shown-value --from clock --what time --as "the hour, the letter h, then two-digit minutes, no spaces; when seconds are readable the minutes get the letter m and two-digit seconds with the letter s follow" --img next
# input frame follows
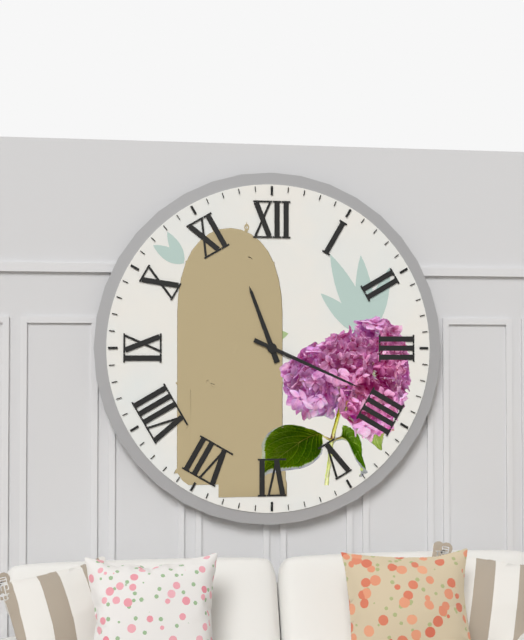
11h19
